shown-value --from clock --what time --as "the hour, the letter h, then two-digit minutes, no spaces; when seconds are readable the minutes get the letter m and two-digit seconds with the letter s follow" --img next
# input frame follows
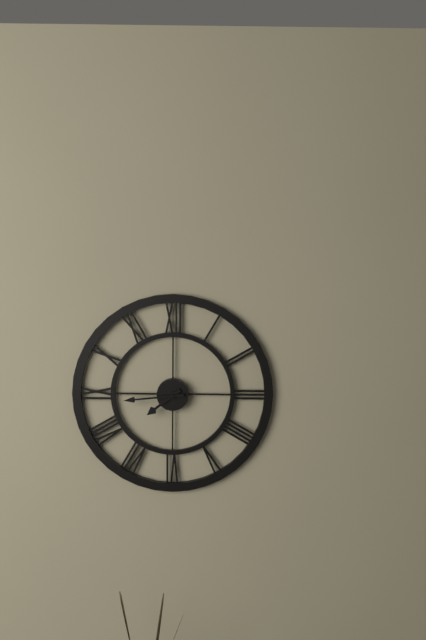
7h44
